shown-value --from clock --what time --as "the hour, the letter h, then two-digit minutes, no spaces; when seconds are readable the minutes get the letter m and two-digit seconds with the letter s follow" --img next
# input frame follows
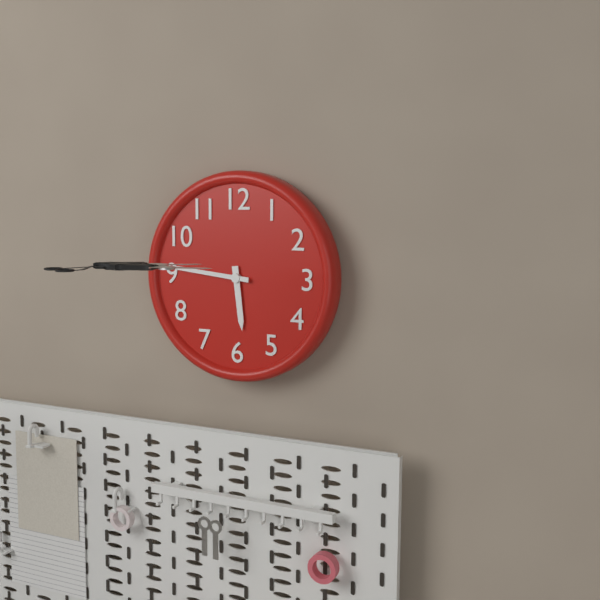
5h46
